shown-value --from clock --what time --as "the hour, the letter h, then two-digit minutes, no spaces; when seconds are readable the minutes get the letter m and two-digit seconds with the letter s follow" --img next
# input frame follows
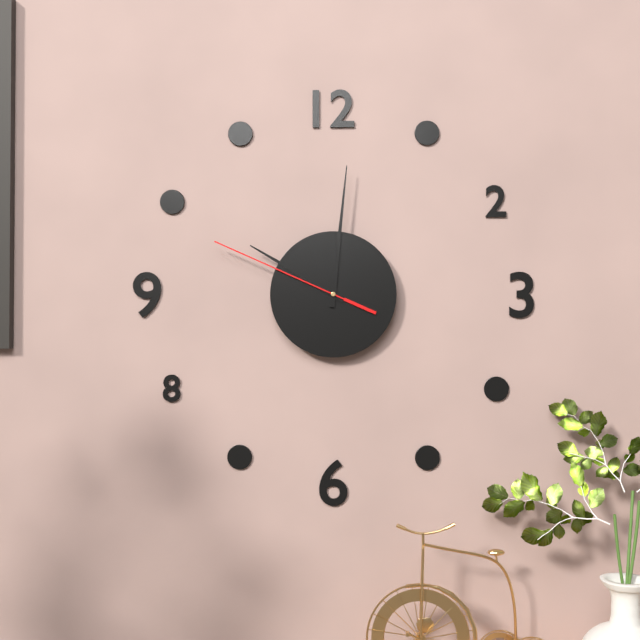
10h01m49s
